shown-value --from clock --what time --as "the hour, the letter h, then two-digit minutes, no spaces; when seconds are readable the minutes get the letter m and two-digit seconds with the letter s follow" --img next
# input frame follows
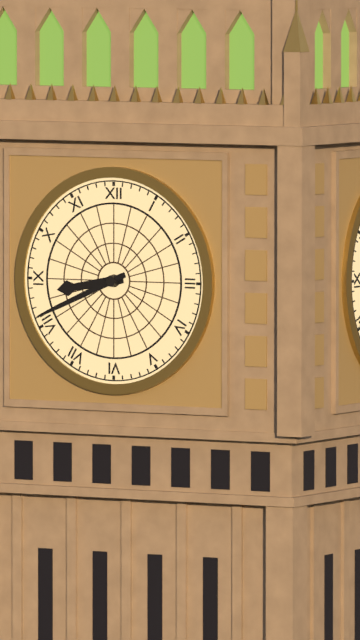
8h41
